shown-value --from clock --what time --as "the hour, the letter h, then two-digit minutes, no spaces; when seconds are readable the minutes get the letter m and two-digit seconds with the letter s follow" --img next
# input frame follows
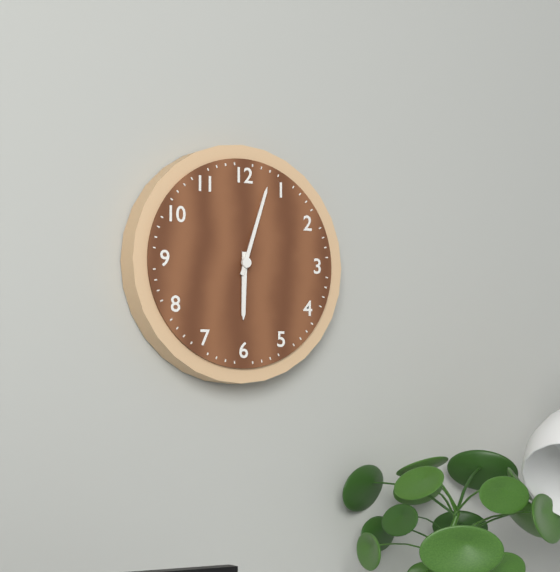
6h03
